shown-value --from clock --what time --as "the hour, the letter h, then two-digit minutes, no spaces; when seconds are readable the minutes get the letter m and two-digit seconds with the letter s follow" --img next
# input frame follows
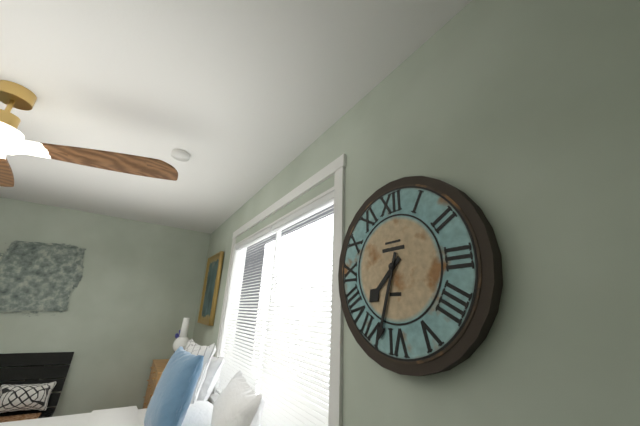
7h33
